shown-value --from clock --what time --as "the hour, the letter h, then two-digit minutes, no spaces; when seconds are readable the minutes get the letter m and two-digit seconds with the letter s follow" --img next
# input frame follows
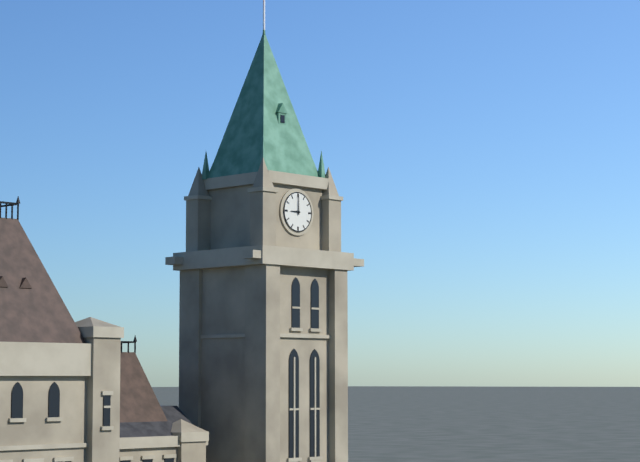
9h00
